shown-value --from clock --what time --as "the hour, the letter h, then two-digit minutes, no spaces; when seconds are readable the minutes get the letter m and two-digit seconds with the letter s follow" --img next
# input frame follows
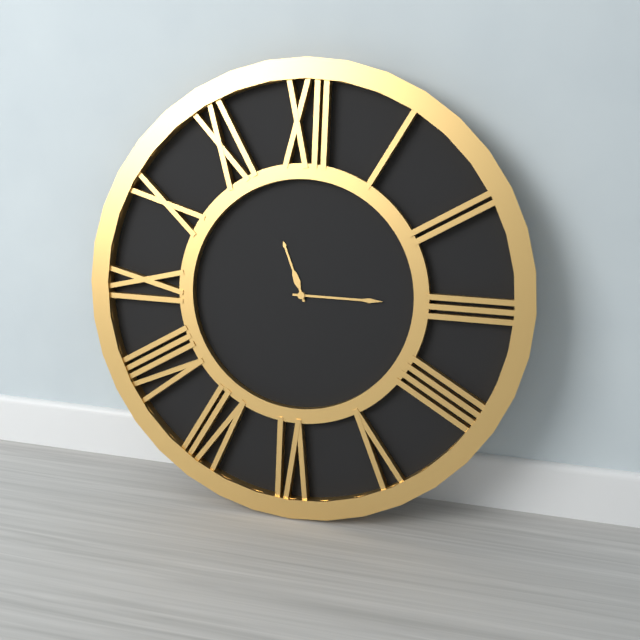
11h15
